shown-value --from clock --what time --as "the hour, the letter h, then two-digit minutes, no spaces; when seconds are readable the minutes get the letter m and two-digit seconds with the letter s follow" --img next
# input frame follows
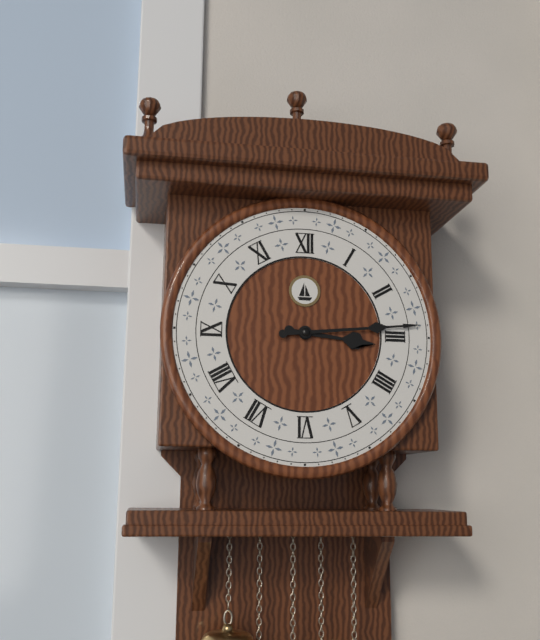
3h14
